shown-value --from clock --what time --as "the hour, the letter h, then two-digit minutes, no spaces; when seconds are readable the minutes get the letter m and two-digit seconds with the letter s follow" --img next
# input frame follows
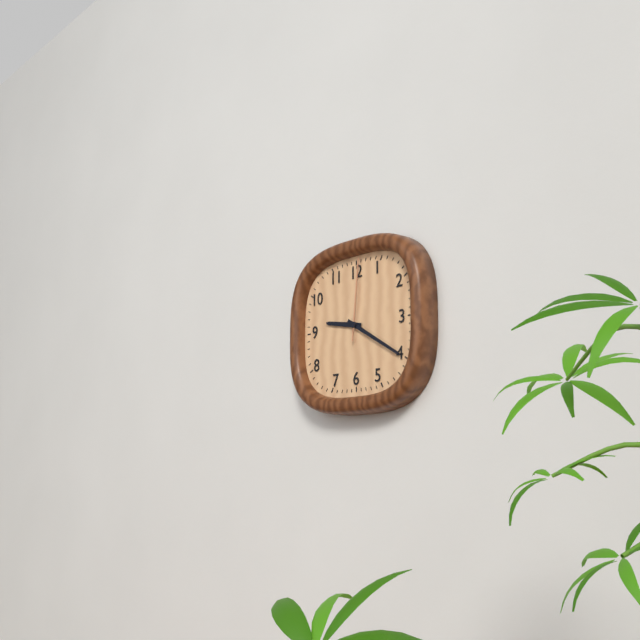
9h20m01s
